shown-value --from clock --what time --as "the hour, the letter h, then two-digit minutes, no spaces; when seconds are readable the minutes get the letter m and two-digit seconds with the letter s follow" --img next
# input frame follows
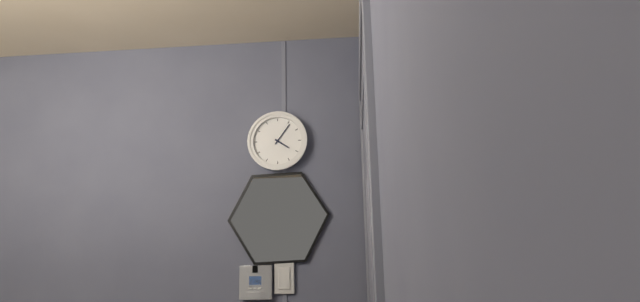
4h06
